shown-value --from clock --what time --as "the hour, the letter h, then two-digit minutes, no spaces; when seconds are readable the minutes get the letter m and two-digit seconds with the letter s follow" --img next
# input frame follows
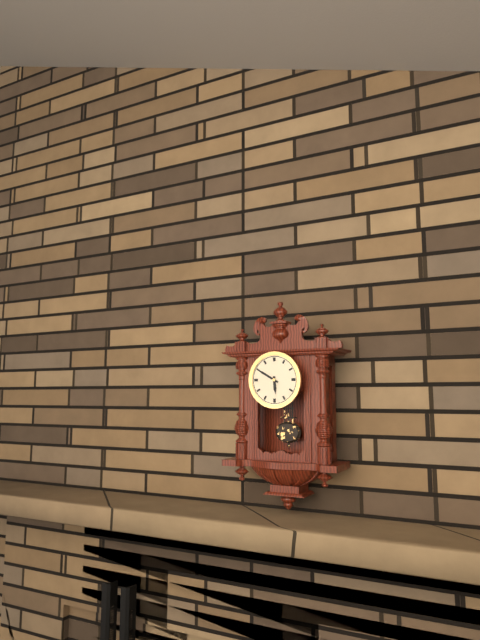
5h50
